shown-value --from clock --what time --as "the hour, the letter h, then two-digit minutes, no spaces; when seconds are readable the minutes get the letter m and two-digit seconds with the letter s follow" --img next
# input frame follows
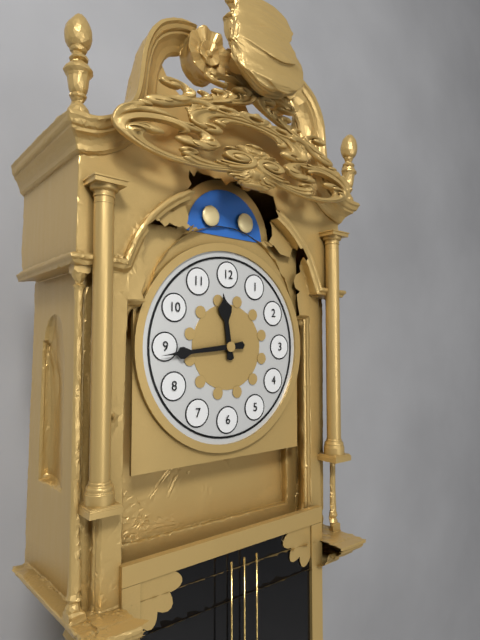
11h44
